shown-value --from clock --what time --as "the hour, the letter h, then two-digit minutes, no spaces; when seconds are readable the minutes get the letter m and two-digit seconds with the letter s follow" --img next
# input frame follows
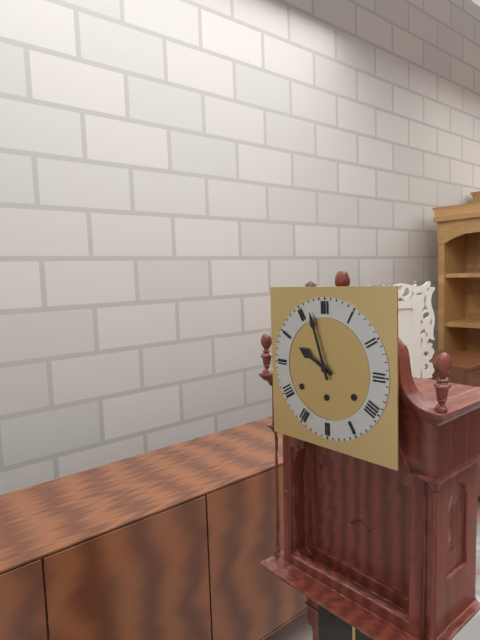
9h57
